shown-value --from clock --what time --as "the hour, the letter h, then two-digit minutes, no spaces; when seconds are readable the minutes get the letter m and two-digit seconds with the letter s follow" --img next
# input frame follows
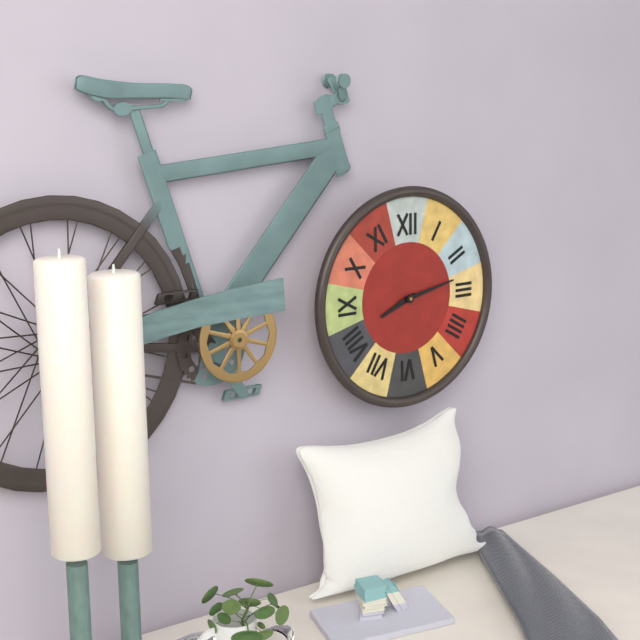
8h13
